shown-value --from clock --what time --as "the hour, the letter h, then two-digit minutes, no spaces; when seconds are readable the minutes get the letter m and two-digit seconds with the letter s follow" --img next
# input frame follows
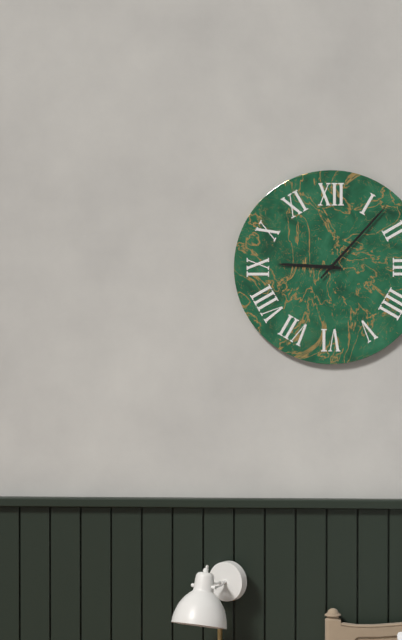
9h07
